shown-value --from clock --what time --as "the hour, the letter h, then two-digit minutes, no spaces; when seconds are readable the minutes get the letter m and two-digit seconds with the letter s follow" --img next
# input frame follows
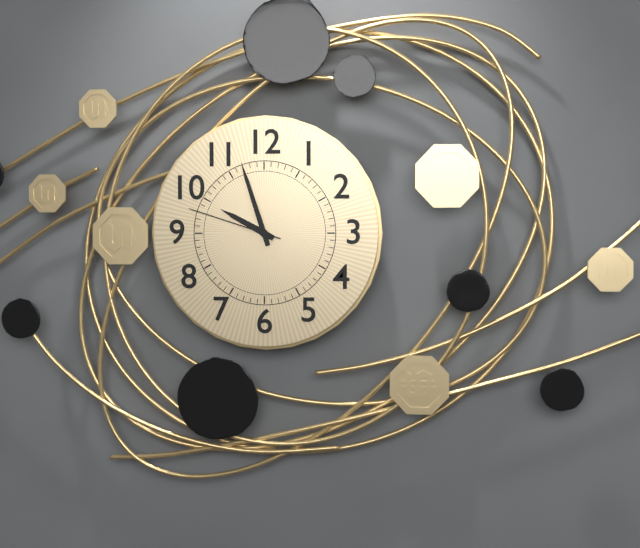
9h57m48s
